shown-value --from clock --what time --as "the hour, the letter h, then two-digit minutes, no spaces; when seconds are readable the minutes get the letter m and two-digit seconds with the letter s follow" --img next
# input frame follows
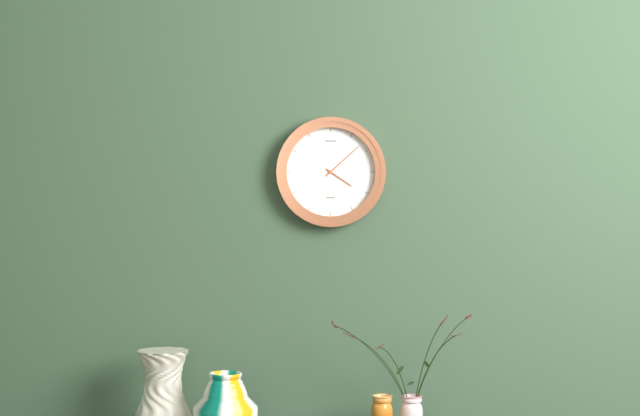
4h08
